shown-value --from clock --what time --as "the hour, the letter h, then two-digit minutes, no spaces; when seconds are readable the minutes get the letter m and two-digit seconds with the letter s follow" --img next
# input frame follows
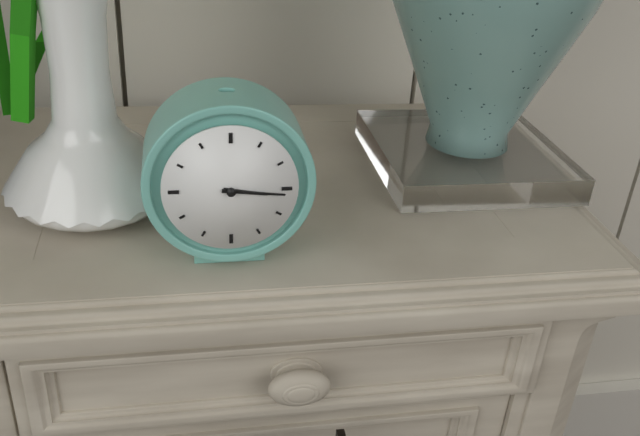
3h16
